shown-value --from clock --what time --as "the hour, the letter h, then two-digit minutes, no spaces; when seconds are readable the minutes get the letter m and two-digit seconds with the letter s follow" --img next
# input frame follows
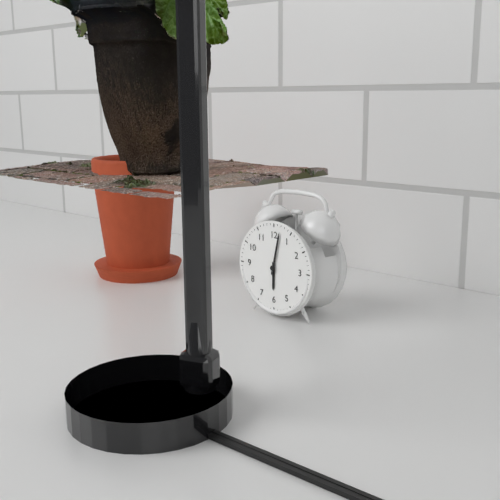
6h02
